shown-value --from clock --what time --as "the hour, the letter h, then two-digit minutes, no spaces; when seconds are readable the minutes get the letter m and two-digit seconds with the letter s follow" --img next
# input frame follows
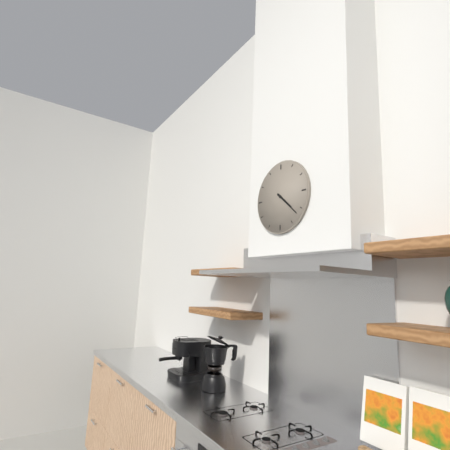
4h22
